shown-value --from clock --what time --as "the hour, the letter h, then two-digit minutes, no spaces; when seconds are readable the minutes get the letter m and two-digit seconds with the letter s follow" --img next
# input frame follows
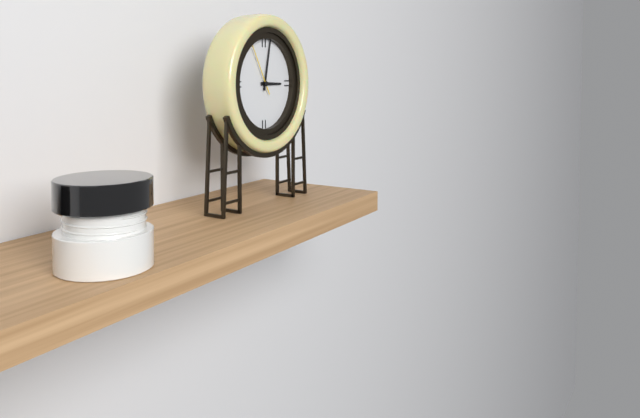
3h02m55s
